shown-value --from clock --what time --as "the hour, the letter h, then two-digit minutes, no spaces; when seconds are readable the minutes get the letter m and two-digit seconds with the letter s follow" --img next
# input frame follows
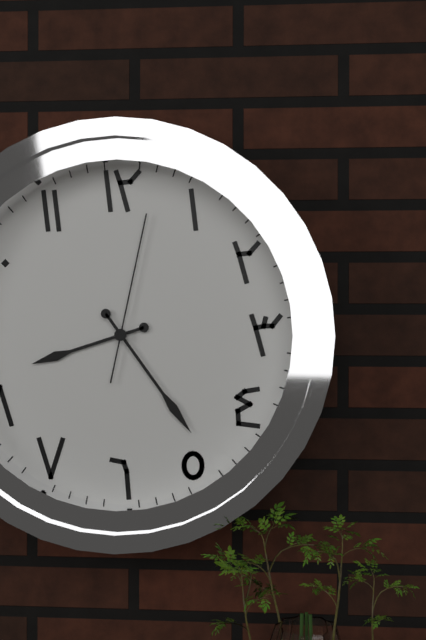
8h24m02s
